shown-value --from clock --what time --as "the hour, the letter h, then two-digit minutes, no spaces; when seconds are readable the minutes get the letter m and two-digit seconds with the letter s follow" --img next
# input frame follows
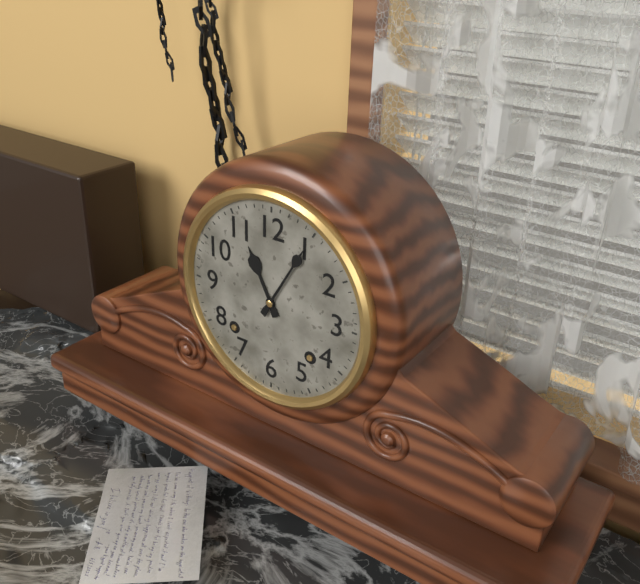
11h05
